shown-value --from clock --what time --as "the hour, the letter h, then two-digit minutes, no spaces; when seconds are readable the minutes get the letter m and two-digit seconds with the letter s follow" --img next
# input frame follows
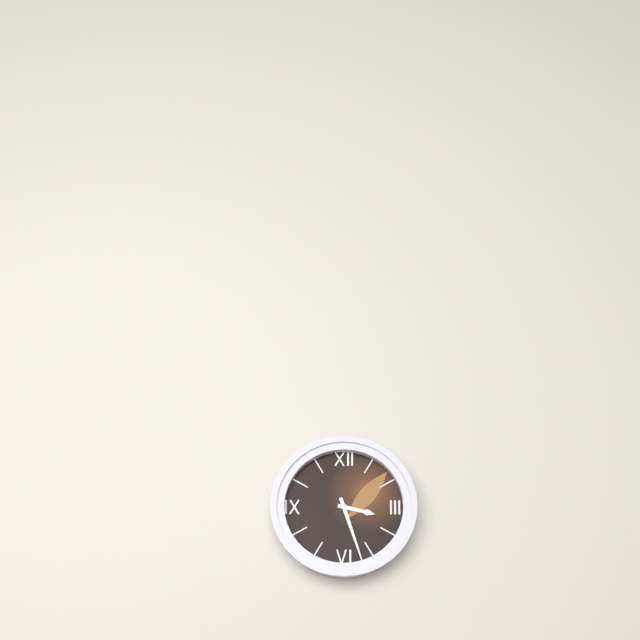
3h27
